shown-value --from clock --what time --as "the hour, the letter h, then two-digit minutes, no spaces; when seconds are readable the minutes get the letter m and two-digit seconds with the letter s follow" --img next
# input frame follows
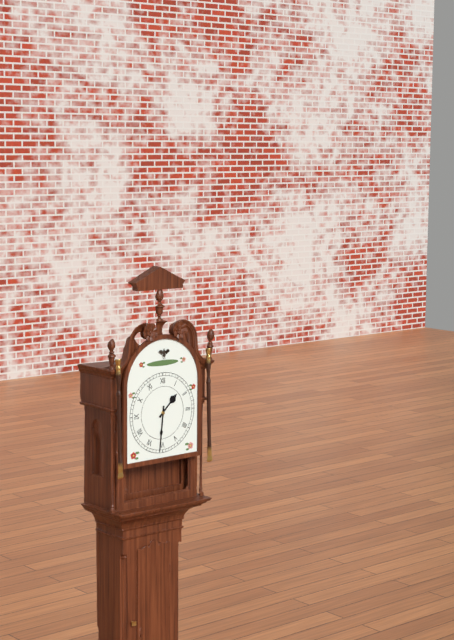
1h31
